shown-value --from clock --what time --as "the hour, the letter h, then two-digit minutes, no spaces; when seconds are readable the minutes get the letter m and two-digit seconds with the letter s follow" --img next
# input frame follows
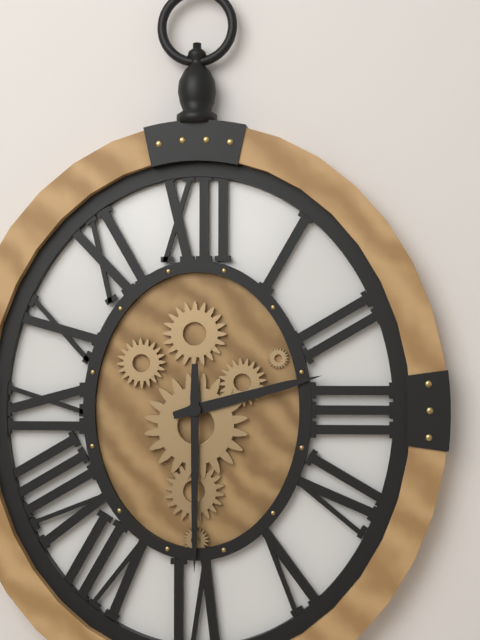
2h30
